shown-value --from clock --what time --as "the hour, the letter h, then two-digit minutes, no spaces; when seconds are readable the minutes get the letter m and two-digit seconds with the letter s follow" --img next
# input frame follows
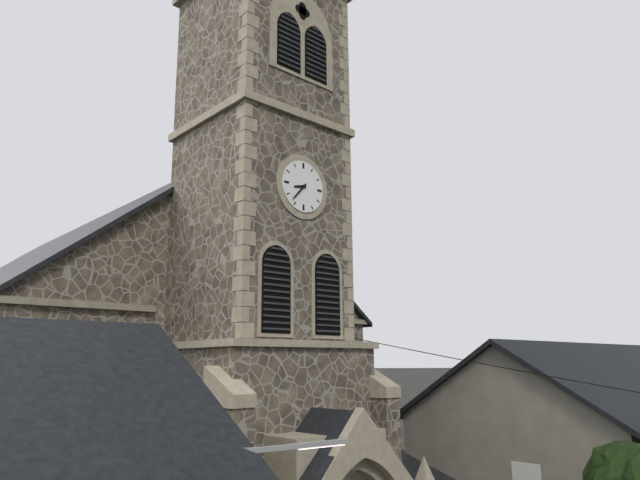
8h37
